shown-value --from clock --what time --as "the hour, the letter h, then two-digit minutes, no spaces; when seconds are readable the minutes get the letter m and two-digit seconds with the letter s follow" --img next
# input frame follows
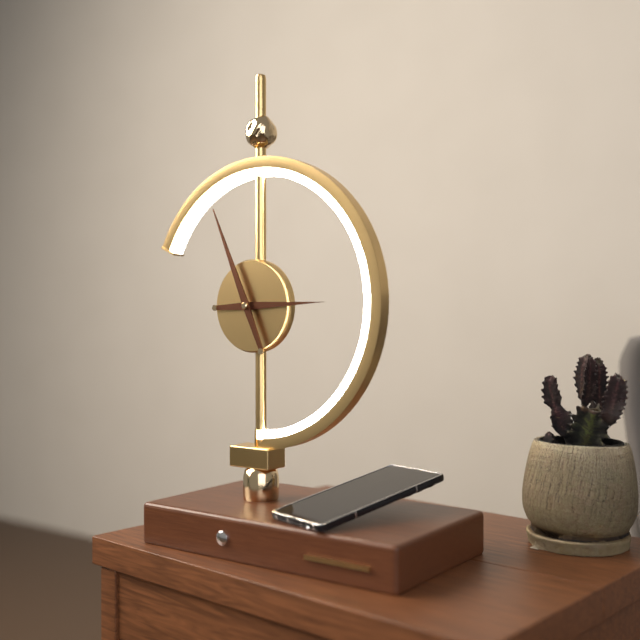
2h56
